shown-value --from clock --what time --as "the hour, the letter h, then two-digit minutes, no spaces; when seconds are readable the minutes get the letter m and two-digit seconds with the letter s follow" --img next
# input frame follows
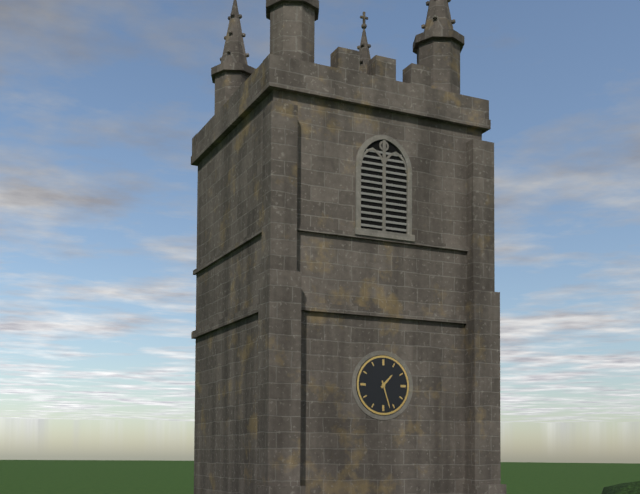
1h27
